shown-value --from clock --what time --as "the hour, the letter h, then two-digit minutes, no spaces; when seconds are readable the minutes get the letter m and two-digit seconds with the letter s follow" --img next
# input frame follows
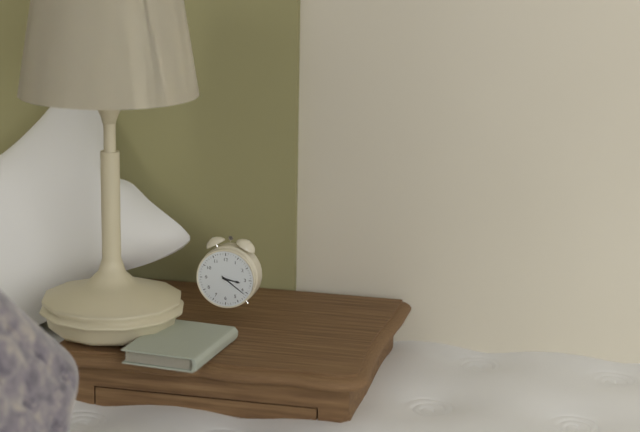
3h21
